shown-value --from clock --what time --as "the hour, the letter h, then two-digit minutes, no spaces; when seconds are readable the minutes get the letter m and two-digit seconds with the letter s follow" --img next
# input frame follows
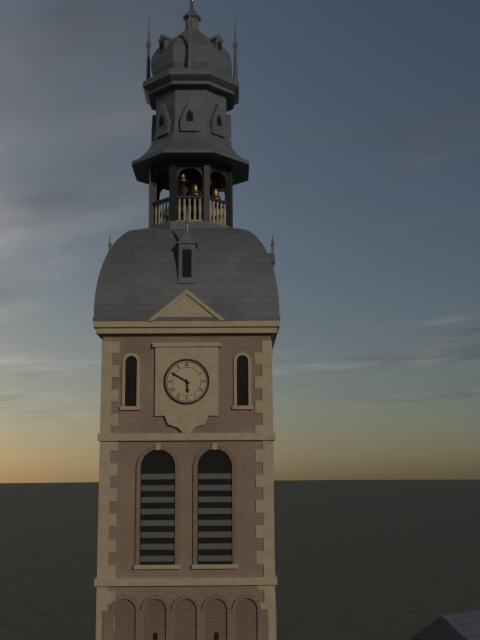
5h50
